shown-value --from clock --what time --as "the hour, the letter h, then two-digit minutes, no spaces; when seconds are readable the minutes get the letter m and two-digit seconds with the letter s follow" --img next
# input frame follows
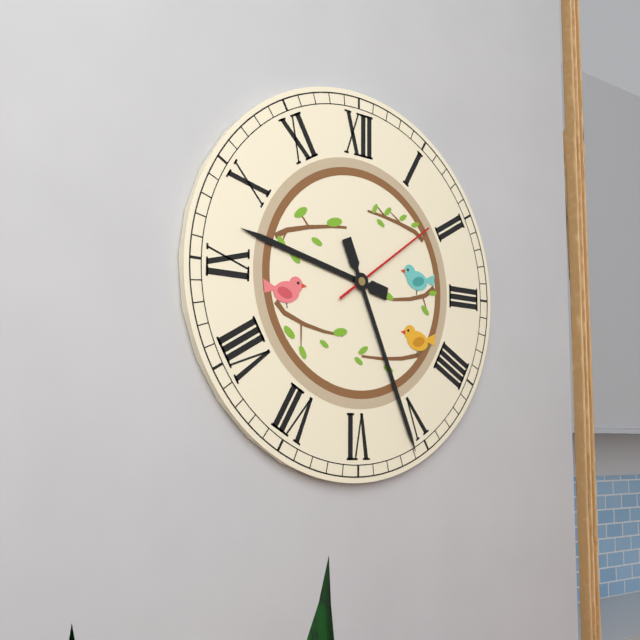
9h26m09s
